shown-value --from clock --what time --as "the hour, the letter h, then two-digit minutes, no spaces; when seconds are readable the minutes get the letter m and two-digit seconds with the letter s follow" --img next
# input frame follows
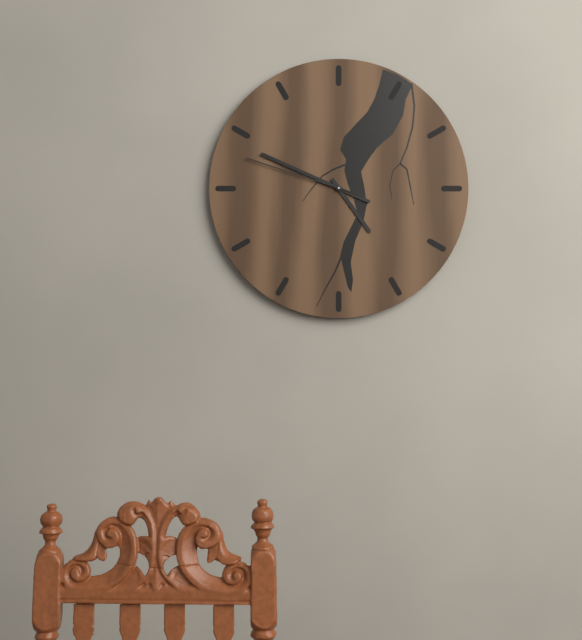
4h49m48s
